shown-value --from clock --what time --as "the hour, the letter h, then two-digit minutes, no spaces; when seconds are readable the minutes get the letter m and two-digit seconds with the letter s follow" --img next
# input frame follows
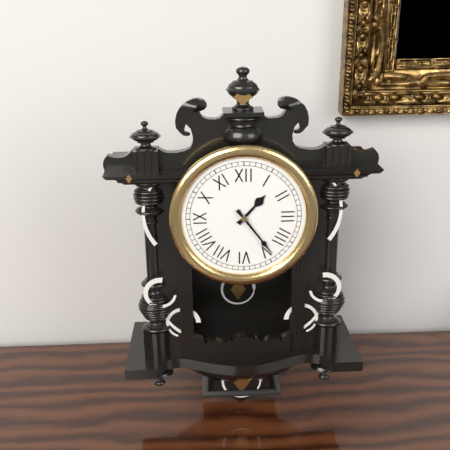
1h24
